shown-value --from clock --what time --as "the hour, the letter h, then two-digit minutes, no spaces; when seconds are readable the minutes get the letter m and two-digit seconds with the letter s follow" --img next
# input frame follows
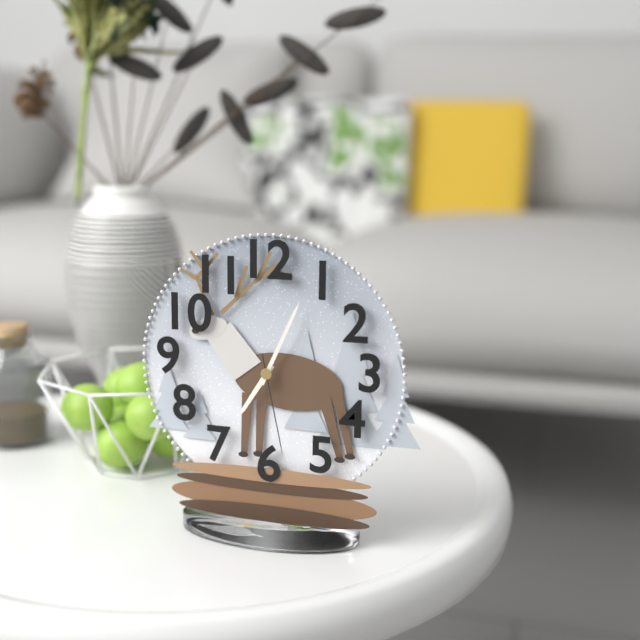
7h04m28s
